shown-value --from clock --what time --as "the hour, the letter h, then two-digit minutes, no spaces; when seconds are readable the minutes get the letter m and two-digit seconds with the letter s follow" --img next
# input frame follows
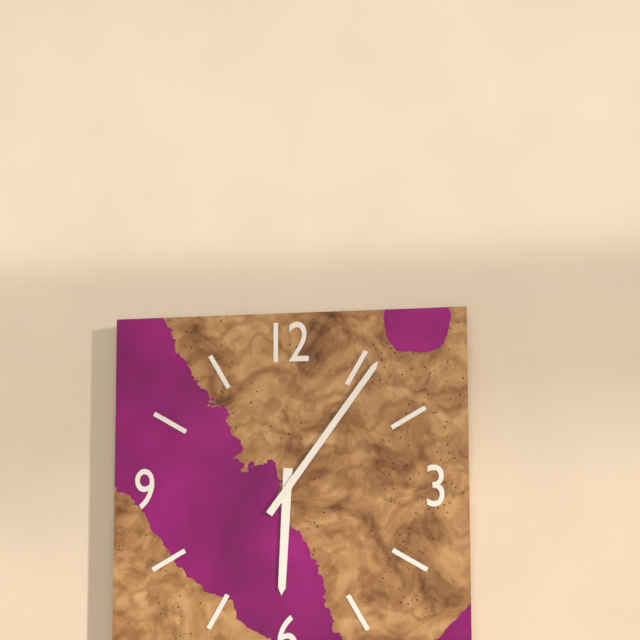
6h06
